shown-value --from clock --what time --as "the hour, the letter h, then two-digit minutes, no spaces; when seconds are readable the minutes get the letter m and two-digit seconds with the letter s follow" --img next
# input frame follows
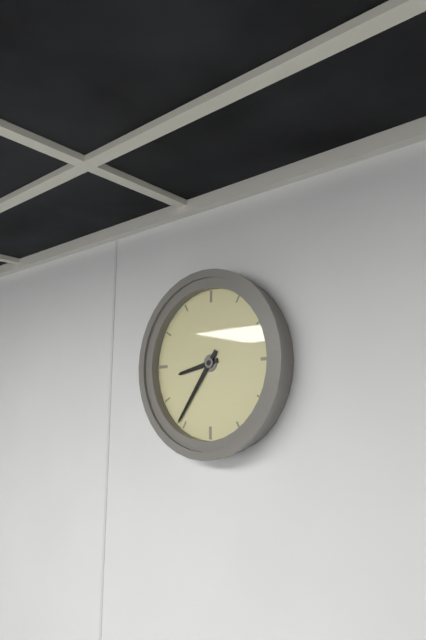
8h36
